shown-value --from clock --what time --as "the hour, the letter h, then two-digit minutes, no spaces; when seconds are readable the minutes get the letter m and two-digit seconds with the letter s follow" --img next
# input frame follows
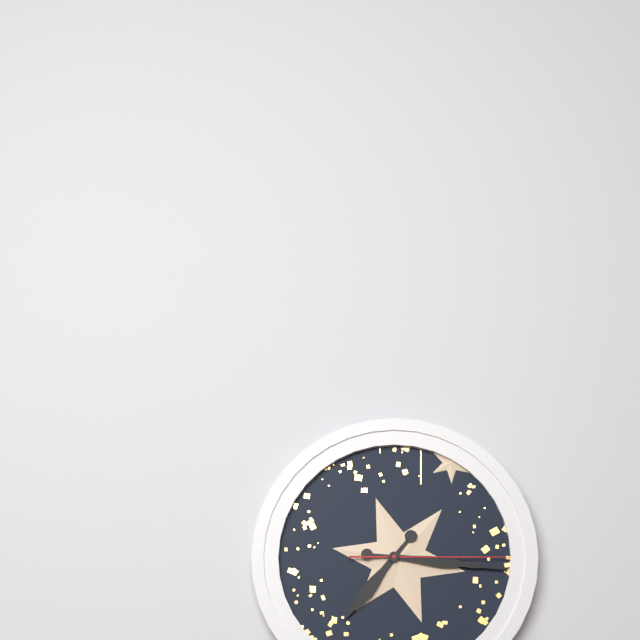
7h16m15s
